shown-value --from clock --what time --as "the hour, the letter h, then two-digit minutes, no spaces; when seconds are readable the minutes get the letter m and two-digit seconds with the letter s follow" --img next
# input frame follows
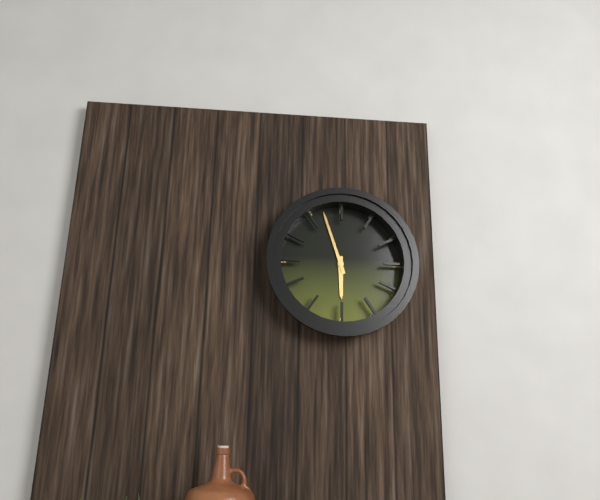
5h57
